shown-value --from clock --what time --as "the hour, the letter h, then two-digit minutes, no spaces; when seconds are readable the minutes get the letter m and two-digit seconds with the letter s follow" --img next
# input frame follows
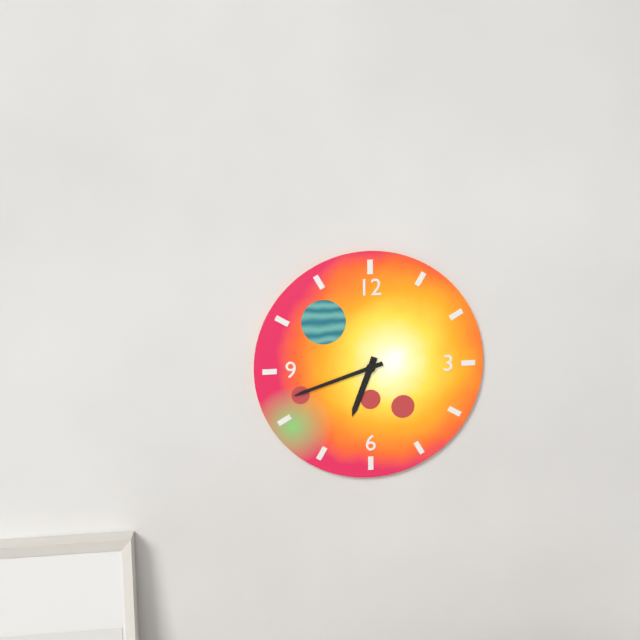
6h42
